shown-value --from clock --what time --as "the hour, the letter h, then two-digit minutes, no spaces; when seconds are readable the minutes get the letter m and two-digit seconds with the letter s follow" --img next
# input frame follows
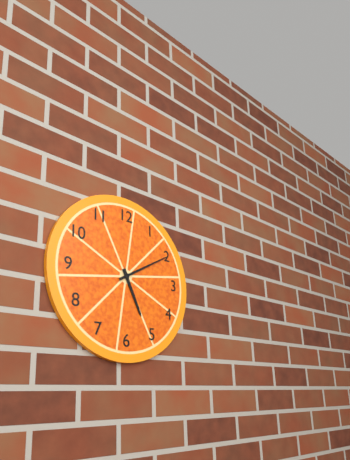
5h10
